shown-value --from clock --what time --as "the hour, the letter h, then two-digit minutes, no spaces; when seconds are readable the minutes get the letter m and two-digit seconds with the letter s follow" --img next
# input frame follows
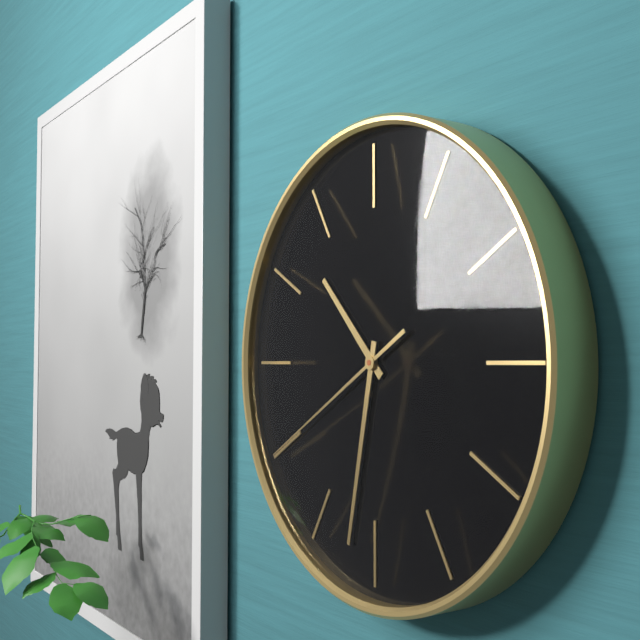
10h32m40s
